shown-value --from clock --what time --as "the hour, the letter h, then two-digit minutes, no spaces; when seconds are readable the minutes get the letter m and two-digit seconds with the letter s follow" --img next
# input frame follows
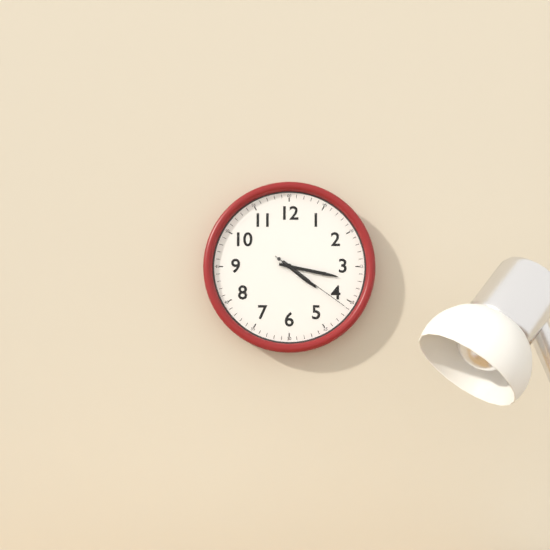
4h17m21s
